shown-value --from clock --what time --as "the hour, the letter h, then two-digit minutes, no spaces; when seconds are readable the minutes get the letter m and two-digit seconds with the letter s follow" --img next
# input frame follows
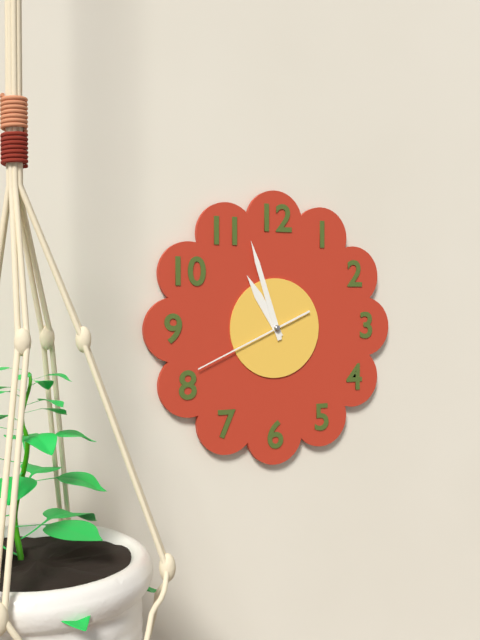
10h57m41s
